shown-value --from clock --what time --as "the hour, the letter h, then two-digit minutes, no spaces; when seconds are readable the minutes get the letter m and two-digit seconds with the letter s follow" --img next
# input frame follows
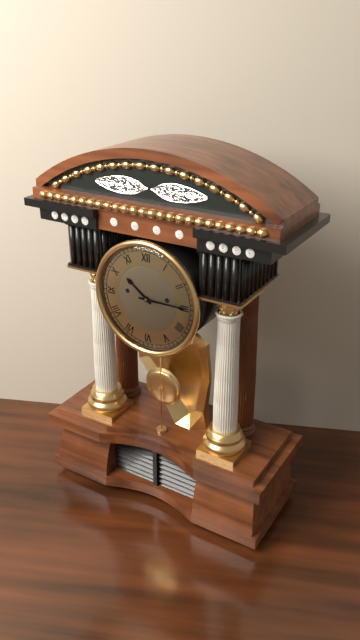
10h15
